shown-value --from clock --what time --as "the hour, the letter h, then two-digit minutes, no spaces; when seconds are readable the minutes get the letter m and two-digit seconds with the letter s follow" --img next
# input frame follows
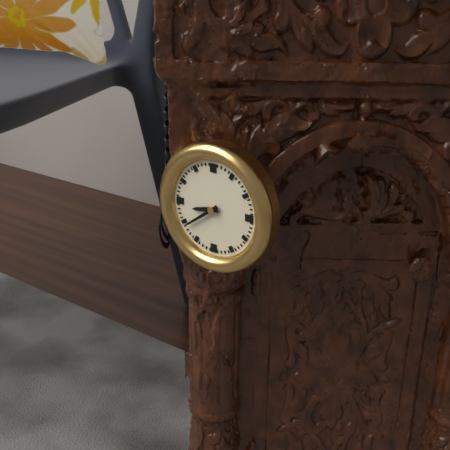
8h39
